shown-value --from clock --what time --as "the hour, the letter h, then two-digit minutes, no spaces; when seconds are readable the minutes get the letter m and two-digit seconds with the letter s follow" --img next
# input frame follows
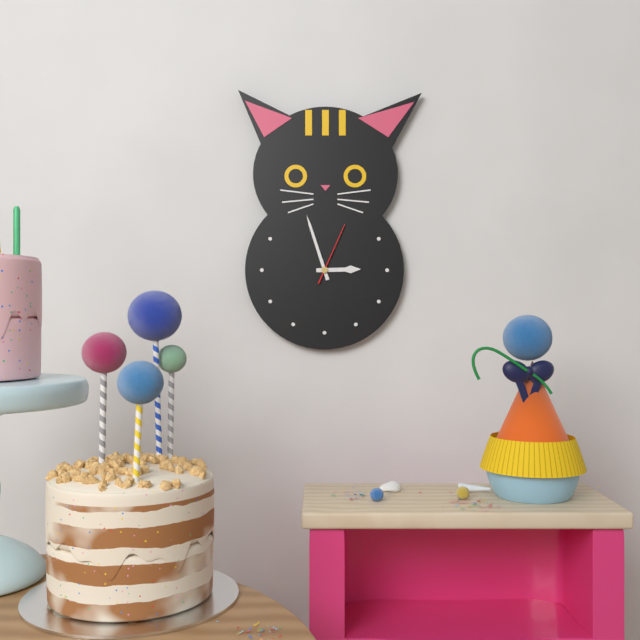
2h57m04s
